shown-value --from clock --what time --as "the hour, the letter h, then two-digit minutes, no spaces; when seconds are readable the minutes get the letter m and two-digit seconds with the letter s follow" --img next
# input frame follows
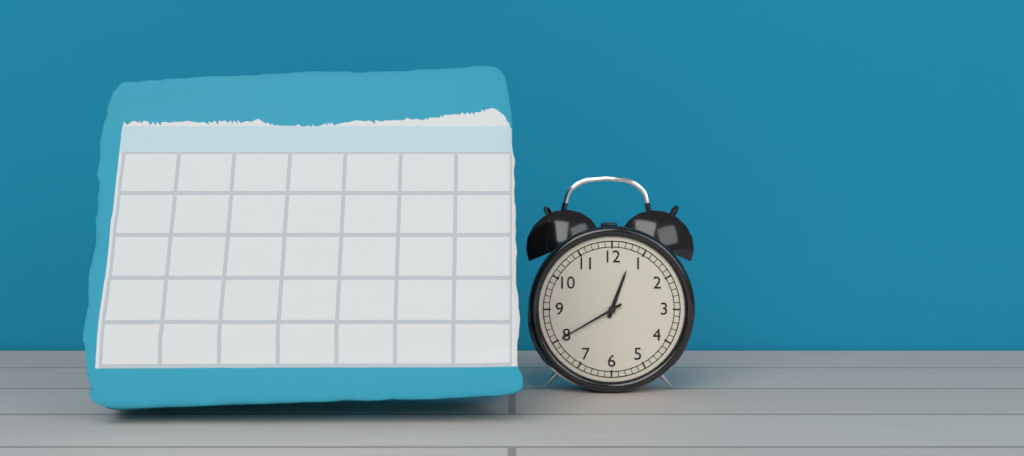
12h40
